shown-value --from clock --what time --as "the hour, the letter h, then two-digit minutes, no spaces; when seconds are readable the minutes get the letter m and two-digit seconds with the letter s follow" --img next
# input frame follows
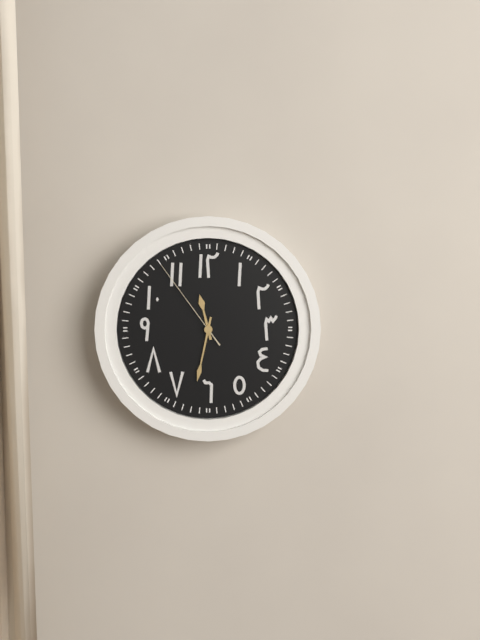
11h32m54s
